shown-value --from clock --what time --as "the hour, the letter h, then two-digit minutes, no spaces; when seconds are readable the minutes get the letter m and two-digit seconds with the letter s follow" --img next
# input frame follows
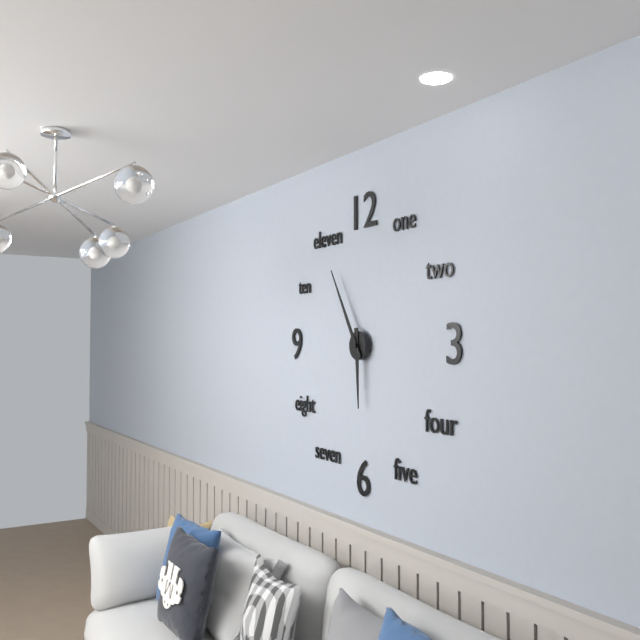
5h55
